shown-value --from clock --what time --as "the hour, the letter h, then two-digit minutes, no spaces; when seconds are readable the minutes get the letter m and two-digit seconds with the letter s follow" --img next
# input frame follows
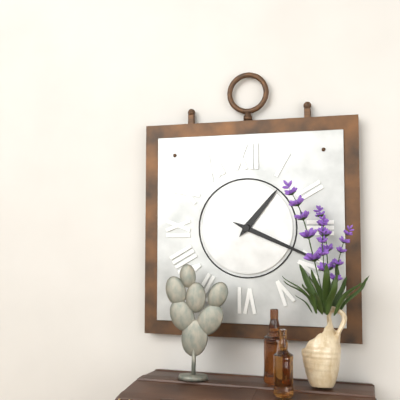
1h19
